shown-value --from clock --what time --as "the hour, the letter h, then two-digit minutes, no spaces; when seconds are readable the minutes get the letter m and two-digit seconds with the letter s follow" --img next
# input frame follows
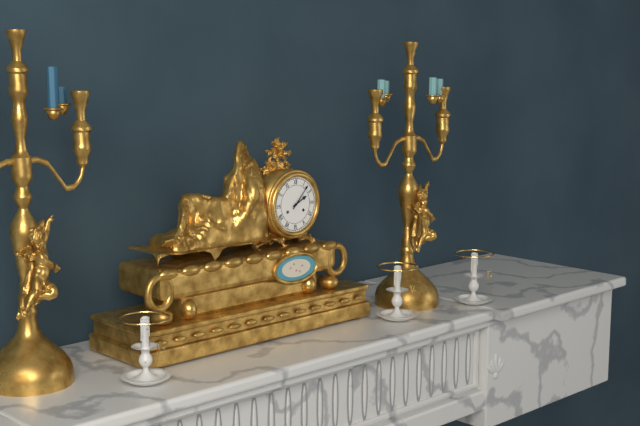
2h07
